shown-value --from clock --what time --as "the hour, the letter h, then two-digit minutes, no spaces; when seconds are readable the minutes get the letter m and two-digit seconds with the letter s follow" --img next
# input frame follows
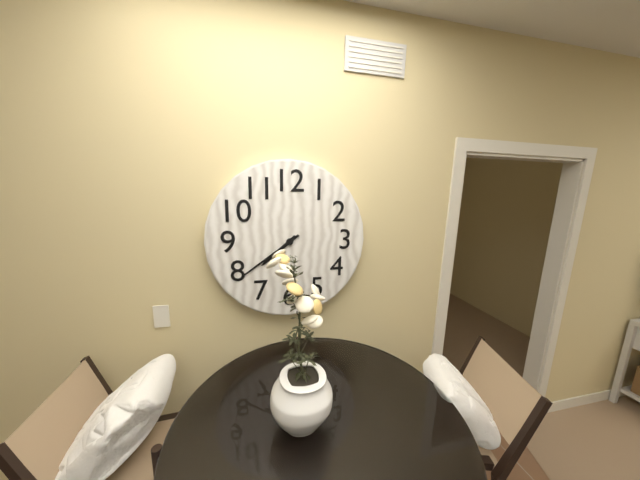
7h39
